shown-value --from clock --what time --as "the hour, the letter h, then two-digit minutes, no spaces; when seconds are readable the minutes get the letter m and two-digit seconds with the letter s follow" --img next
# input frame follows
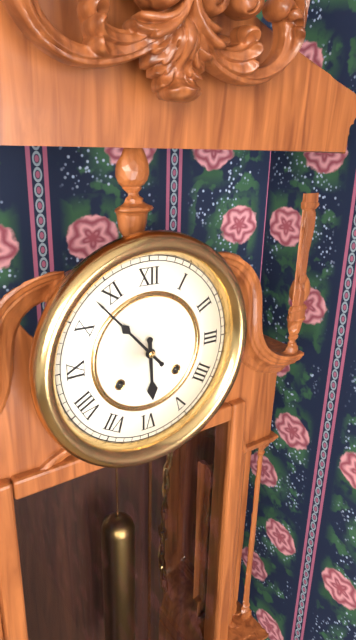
5h53
